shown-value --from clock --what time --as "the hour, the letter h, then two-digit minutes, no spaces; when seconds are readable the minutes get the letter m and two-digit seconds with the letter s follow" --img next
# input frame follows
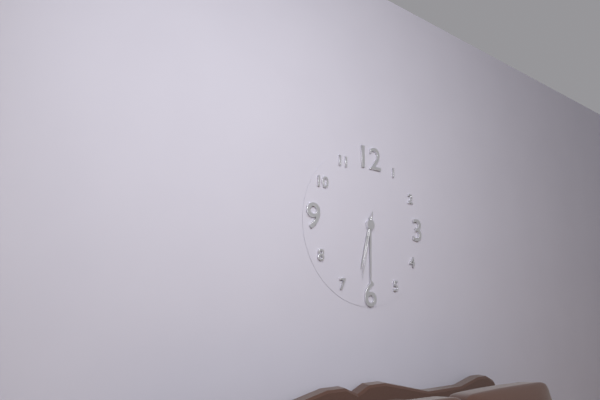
6h30m32s
